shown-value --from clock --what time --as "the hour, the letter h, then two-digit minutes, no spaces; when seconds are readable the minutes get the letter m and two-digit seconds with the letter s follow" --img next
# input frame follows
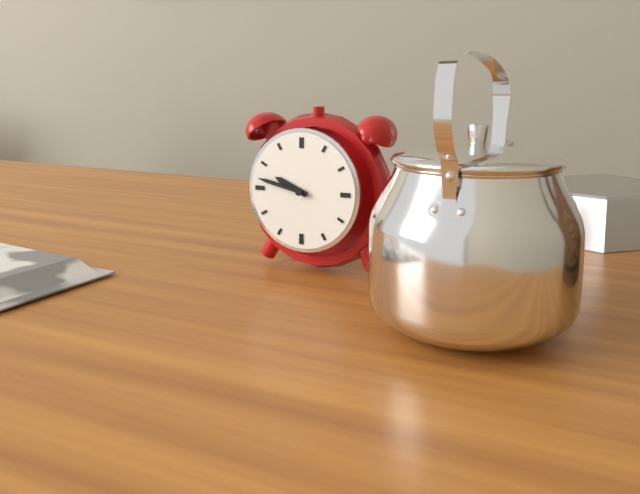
9h47
